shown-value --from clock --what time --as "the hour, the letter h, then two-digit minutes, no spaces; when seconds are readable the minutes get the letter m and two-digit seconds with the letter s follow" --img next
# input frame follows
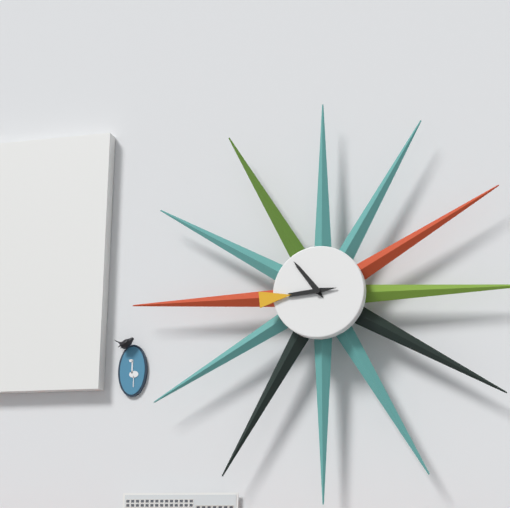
10h44
